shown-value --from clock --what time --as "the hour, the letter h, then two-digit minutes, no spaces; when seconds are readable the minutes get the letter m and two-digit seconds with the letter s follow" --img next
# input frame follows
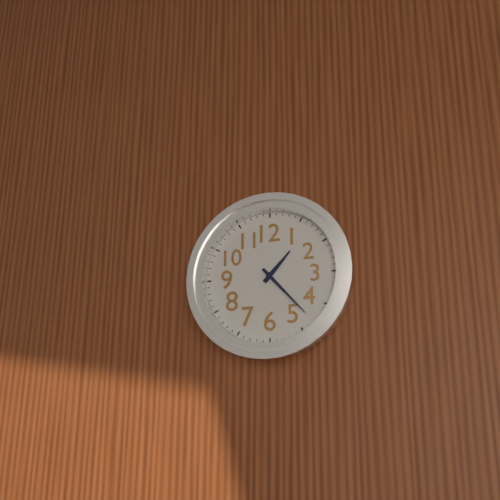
1h23
